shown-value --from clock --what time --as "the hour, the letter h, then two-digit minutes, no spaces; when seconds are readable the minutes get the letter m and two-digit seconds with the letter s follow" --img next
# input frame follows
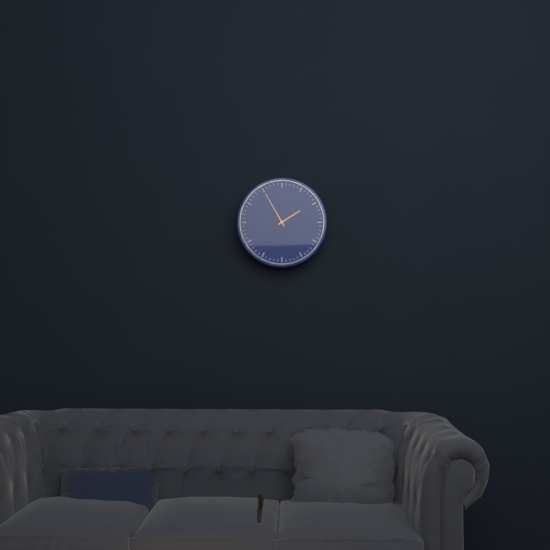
1h55
